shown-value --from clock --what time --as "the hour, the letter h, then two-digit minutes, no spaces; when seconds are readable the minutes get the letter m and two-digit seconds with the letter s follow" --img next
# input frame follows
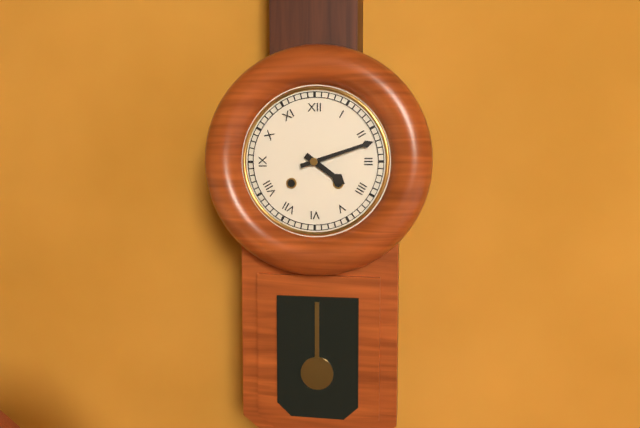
4h12
